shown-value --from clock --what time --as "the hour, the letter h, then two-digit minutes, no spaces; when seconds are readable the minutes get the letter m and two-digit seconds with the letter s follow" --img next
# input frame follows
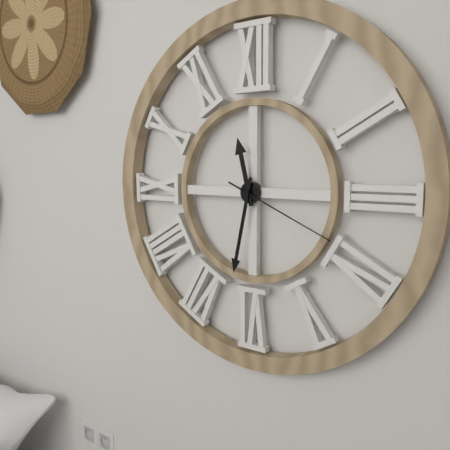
11h32m19s
